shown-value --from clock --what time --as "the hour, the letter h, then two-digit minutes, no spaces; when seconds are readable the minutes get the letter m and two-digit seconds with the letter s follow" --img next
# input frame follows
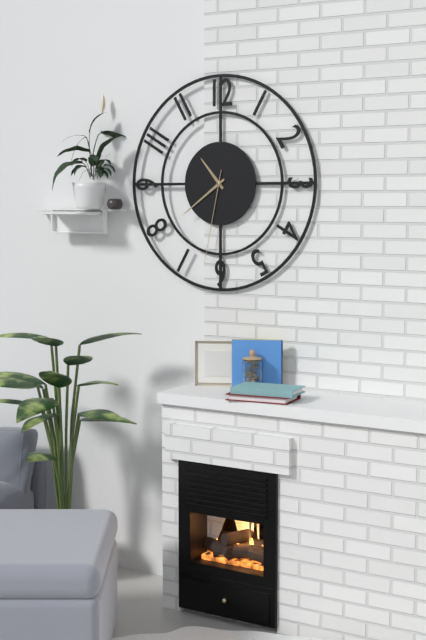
10h39m32s
